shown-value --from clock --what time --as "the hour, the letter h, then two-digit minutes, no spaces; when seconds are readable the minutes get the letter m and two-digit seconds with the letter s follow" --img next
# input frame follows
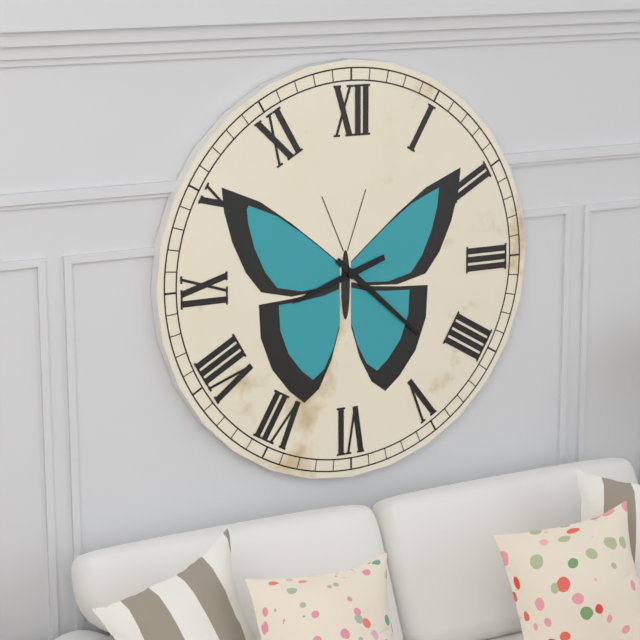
8h22
